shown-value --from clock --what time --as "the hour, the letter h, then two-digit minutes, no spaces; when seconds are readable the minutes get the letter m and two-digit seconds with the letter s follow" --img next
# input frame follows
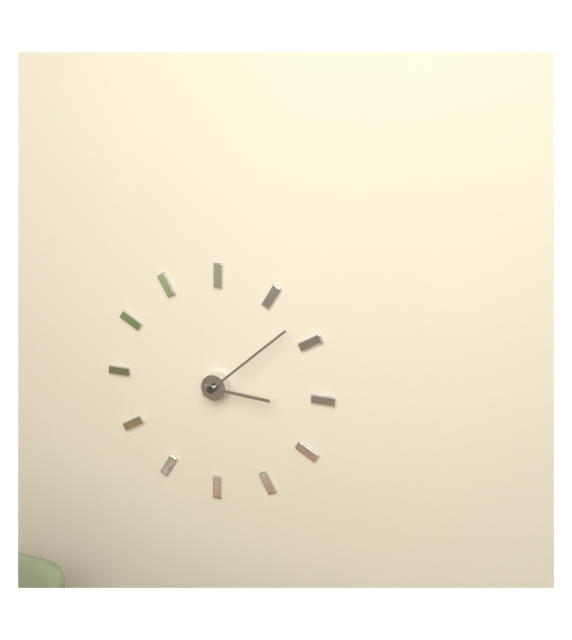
3h08
